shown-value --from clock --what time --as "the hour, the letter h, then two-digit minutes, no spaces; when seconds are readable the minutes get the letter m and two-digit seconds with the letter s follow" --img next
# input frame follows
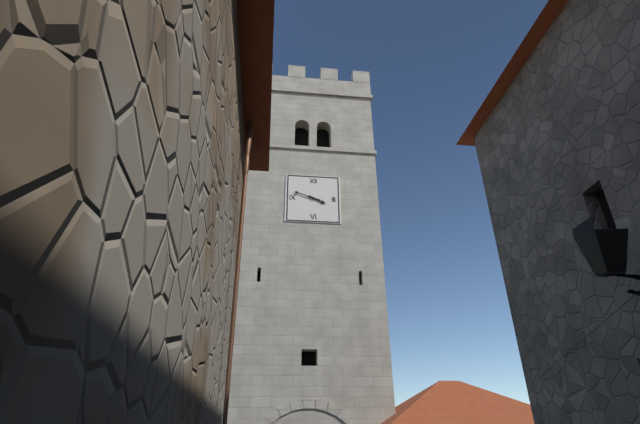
3h48
